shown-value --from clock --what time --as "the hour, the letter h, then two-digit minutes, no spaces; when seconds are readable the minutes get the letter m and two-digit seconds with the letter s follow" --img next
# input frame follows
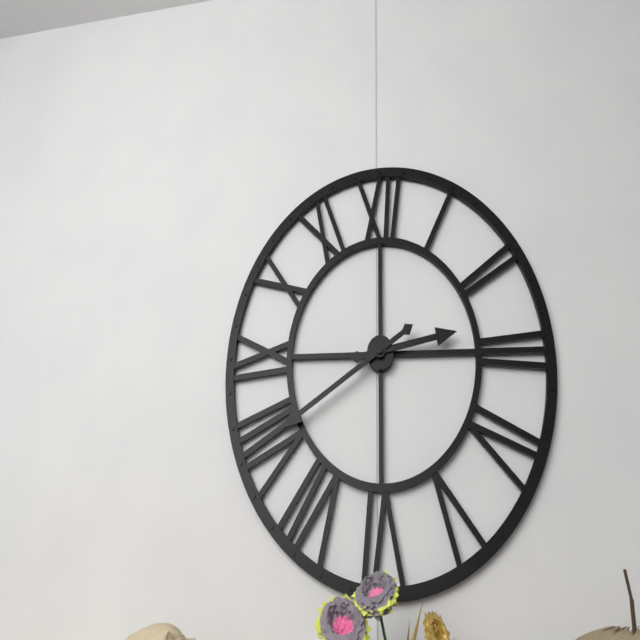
2h40
